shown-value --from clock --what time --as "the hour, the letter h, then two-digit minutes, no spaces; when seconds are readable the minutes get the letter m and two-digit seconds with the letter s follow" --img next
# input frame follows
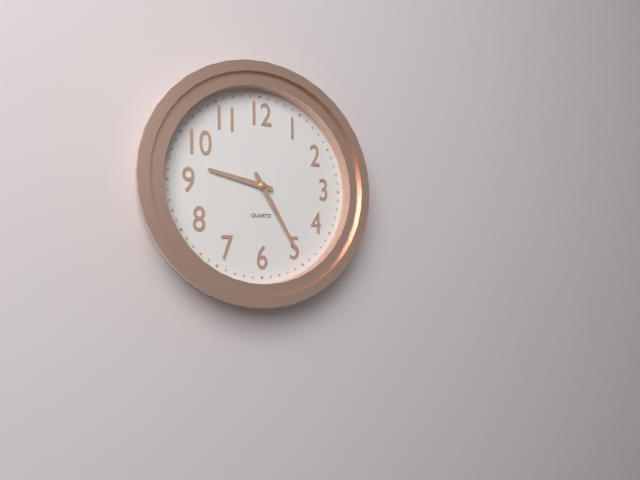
9h25
